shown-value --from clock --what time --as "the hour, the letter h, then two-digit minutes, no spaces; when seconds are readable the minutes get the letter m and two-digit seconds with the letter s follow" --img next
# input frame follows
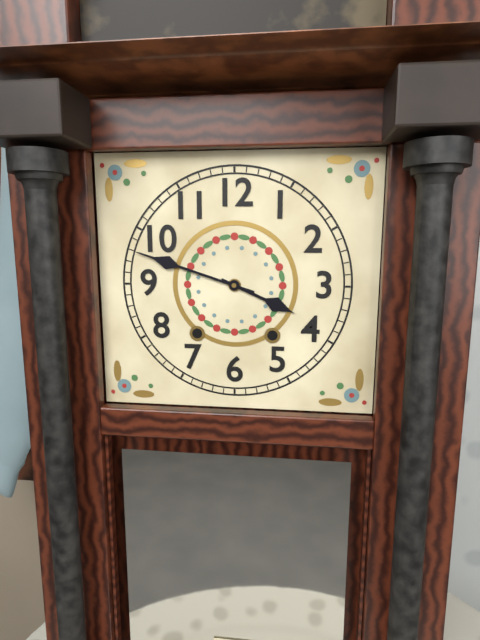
3h48
